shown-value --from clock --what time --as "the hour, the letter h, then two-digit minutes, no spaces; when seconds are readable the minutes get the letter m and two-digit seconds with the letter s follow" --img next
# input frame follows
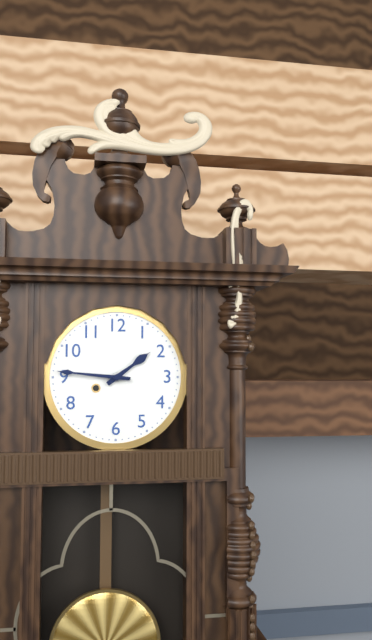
1h46
